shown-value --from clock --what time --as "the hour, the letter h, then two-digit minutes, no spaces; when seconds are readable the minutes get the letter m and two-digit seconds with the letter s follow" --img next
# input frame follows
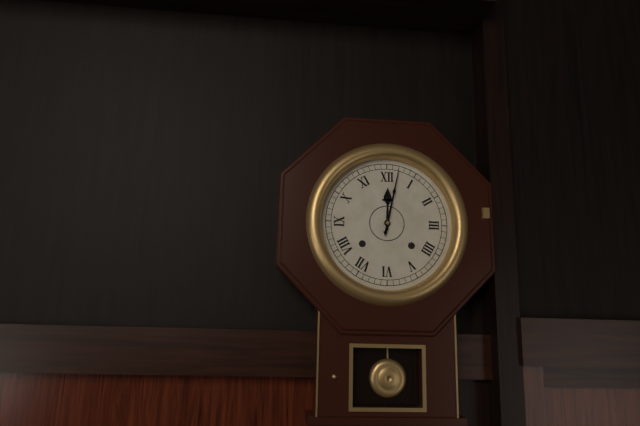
12h02
